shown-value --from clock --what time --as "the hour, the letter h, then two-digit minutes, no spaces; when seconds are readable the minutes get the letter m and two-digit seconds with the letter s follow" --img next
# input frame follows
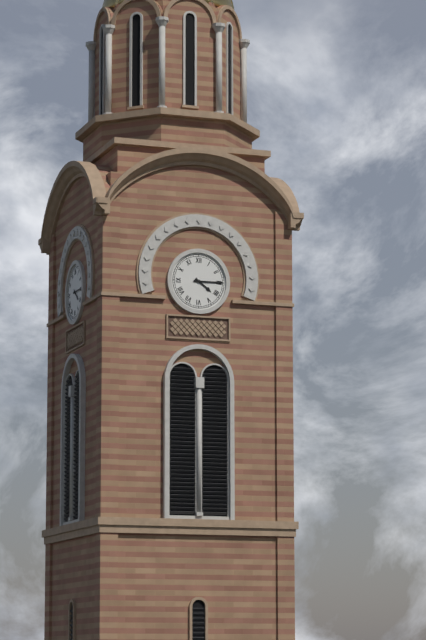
4h15
